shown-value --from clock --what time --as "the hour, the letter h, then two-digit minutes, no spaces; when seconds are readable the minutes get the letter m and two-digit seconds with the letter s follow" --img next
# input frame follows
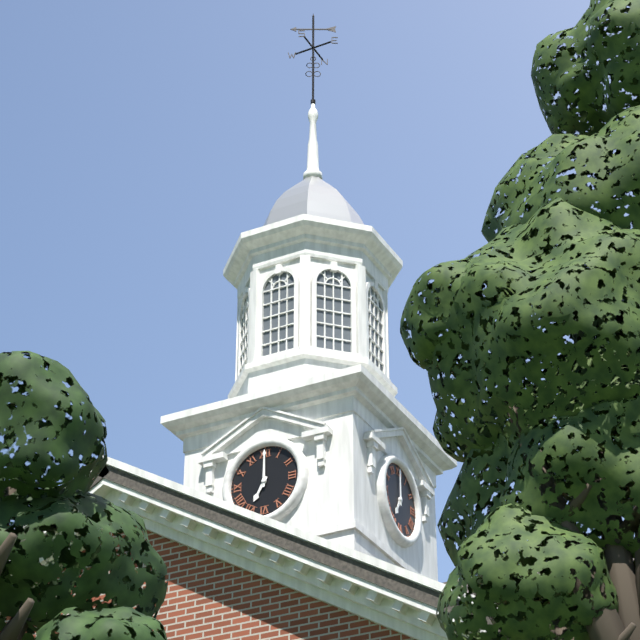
7h00
